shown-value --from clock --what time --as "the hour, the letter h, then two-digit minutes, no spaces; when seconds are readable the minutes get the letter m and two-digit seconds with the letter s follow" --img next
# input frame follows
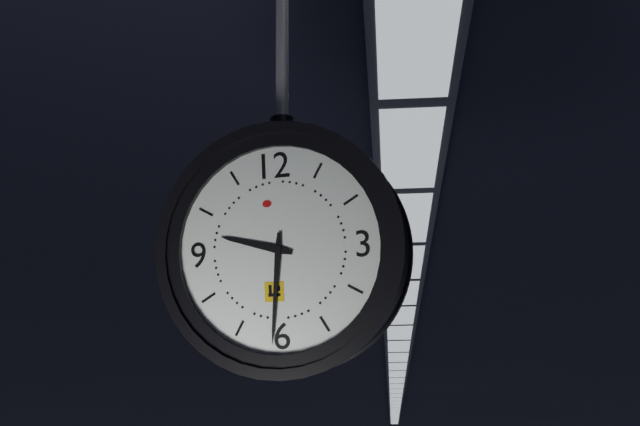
9h31
